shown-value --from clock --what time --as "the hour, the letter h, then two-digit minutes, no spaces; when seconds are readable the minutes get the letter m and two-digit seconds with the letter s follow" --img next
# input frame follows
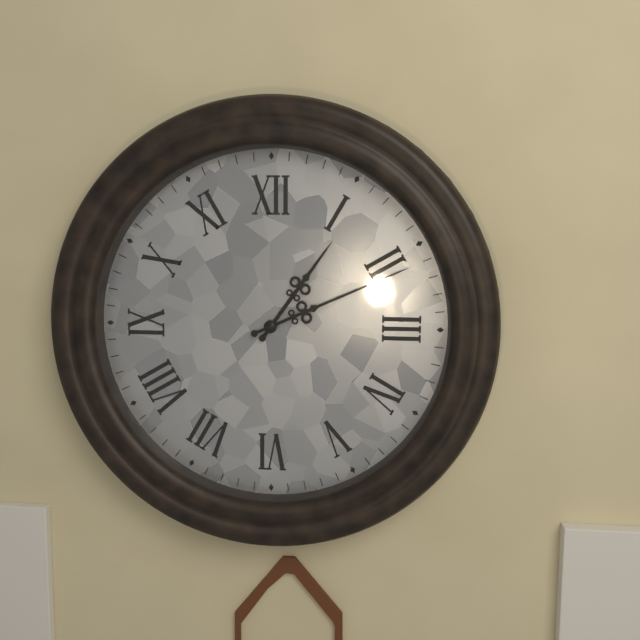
1h11
